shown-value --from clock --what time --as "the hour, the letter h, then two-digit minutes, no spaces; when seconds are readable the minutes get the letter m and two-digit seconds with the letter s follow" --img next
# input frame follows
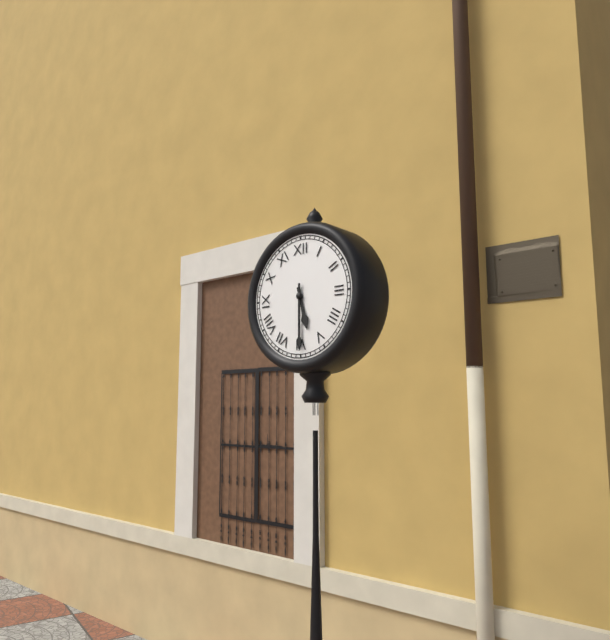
5h30
